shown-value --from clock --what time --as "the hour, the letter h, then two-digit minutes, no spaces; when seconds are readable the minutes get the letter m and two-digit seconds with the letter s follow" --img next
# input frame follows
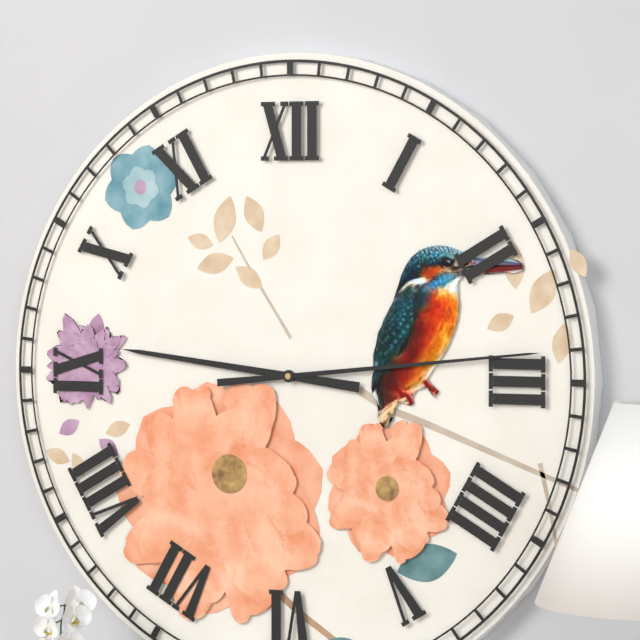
9h14
